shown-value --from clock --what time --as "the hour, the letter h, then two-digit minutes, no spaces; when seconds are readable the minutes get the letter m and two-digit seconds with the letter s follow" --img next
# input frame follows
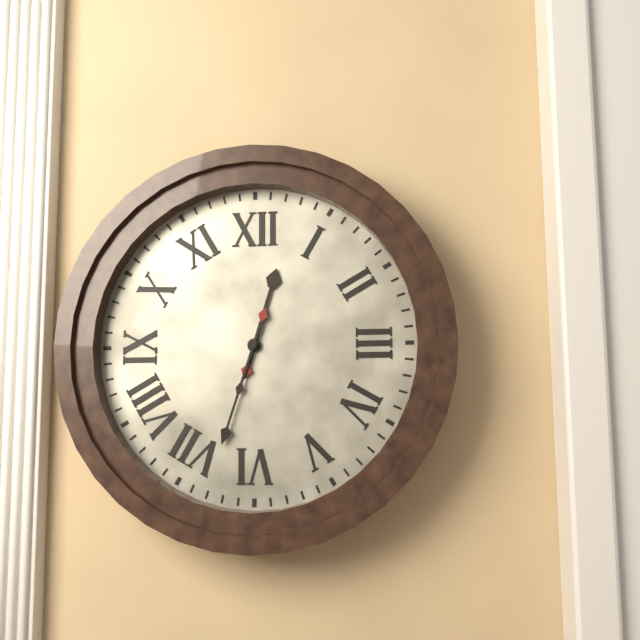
12h33
